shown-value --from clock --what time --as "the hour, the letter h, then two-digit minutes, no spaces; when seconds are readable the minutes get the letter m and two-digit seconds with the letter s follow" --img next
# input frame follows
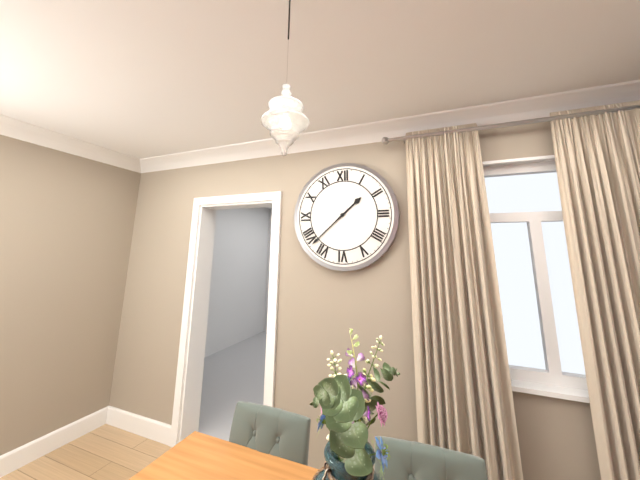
1h38
